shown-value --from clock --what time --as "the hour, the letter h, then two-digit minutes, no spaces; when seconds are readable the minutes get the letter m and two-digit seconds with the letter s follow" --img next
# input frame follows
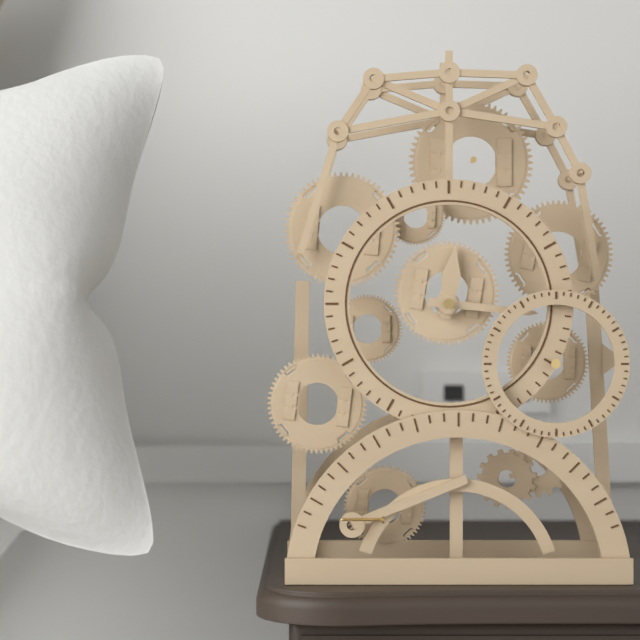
12h16
